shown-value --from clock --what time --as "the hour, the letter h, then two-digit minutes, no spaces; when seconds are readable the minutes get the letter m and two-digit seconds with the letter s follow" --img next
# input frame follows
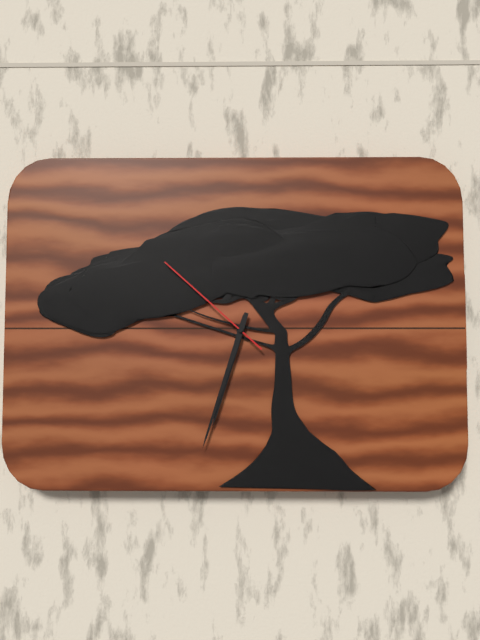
6h33m52s
